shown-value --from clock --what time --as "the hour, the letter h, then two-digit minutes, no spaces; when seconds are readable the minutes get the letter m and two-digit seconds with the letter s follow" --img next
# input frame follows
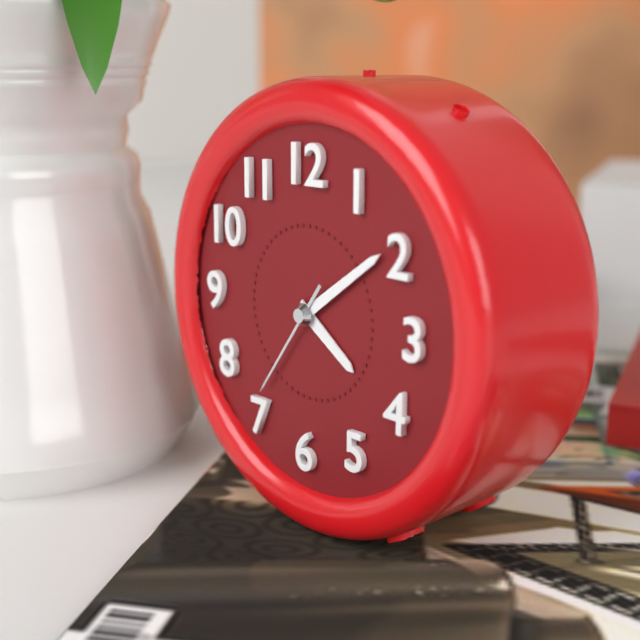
4h09m36s
